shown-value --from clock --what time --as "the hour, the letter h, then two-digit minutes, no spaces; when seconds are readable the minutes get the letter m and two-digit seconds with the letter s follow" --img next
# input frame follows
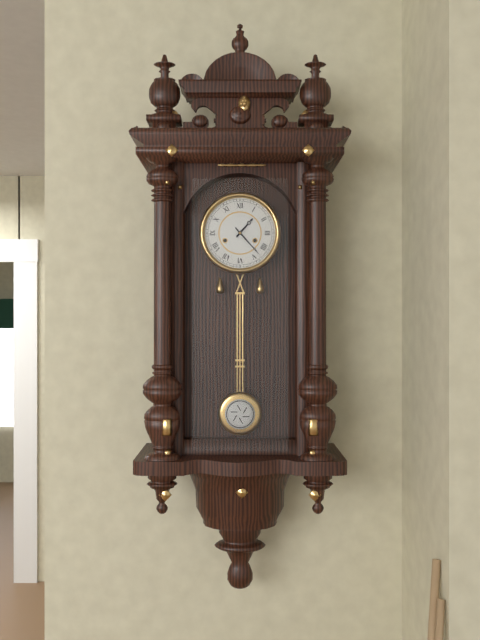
1h23
